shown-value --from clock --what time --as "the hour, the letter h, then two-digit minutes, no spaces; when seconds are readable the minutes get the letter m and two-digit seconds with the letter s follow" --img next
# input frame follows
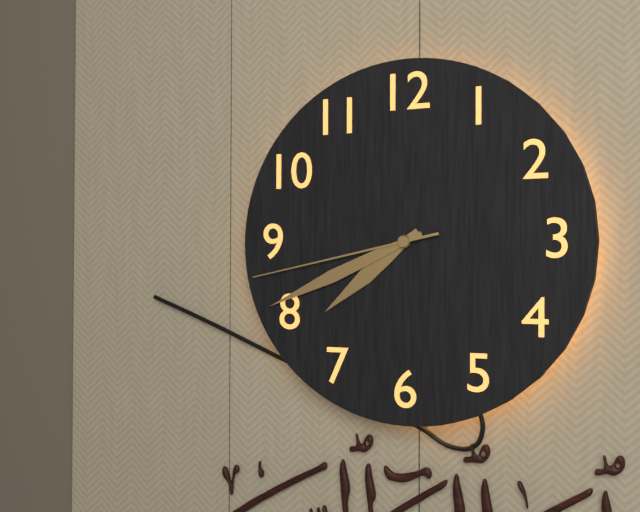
7h41m43s
